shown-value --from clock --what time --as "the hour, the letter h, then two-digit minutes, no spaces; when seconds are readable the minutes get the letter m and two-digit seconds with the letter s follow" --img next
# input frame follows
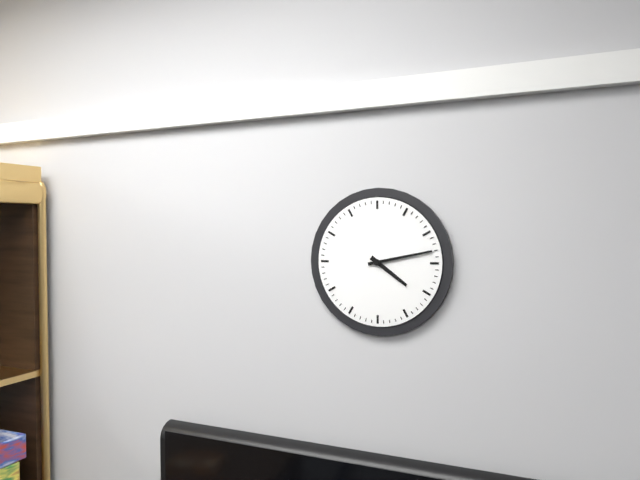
4h13
